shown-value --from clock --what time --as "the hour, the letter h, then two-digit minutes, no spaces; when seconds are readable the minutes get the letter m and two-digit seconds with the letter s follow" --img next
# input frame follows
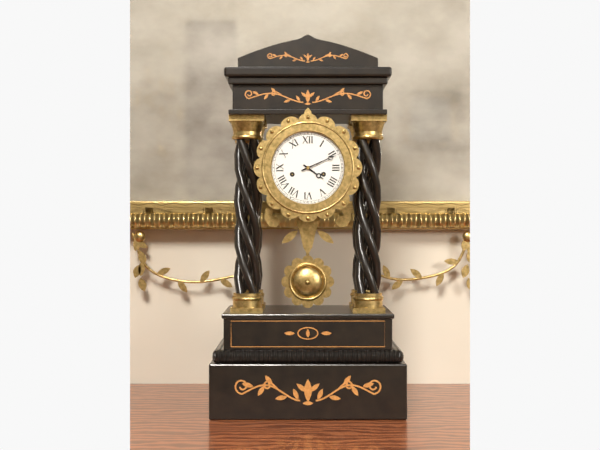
4h11
